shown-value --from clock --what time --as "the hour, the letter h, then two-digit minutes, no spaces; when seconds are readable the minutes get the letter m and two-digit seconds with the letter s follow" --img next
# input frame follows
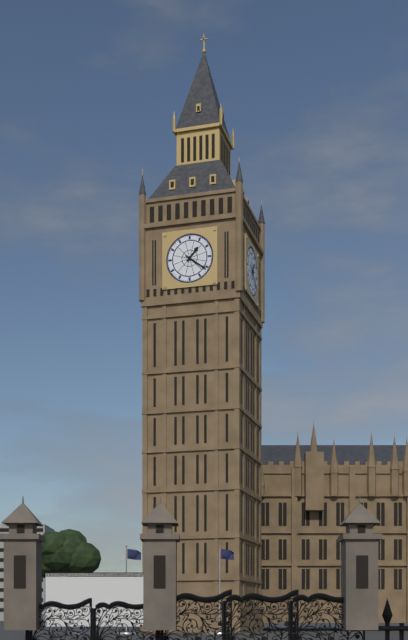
1h21
